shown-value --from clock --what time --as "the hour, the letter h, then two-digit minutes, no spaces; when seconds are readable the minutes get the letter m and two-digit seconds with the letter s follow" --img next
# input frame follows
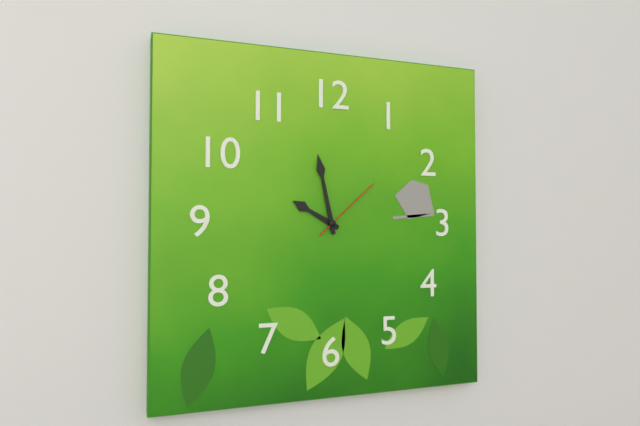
9h58m08s
